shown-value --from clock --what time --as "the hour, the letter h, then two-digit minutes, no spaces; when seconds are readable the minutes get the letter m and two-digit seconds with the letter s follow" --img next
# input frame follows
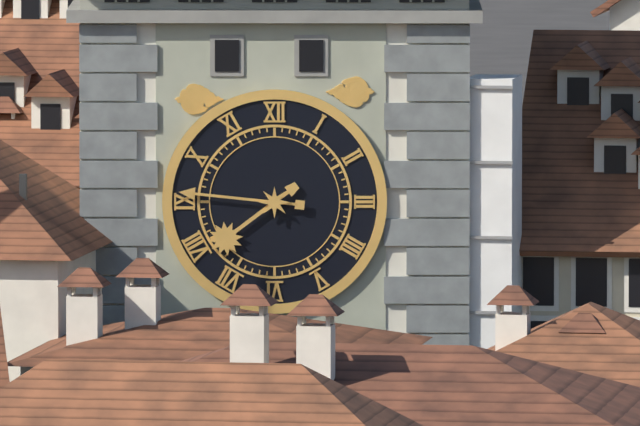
7h46
